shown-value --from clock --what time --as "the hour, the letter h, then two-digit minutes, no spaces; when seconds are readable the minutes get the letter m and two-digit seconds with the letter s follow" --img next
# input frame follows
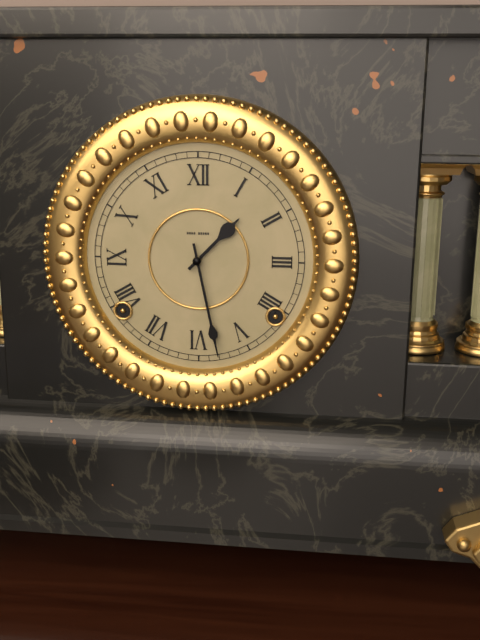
1h28
